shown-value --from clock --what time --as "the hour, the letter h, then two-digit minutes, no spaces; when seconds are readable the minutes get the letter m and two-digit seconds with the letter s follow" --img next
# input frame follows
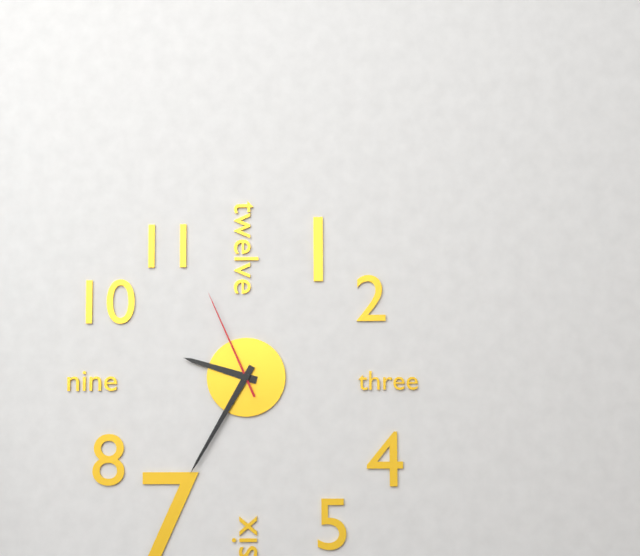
9h35m56s
